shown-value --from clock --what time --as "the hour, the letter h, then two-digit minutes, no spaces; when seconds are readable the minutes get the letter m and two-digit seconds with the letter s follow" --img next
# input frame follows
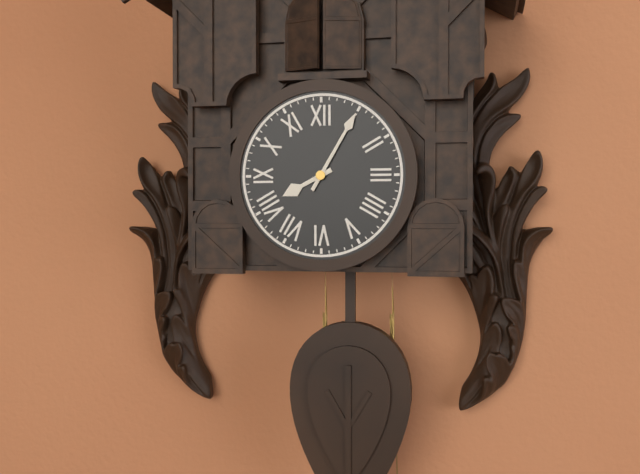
8h05
